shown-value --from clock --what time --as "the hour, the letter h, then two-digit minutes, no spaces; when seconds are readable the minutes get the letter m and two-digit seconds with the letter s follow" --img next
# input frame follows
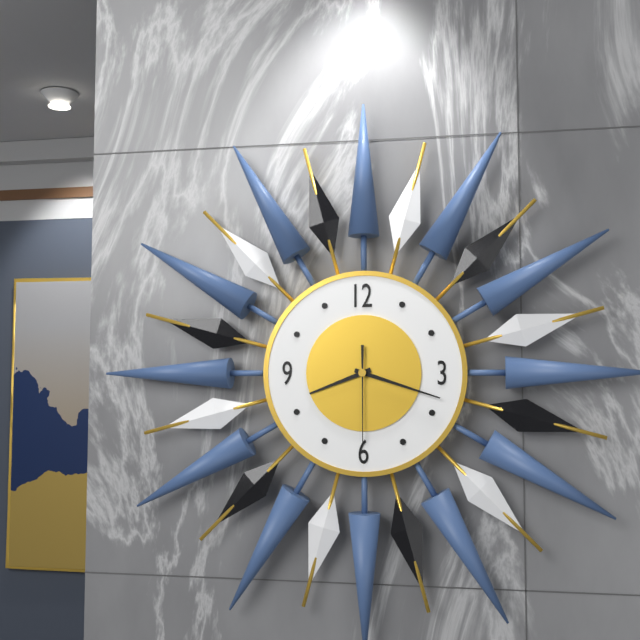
8h18m30s
